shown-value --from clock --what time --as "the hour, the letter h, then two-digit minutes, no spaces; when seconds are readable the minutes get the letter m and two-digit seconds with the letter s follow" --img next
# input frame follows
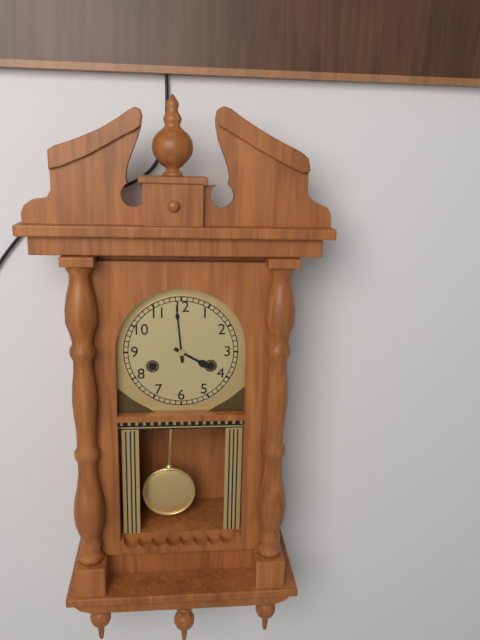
3h59
